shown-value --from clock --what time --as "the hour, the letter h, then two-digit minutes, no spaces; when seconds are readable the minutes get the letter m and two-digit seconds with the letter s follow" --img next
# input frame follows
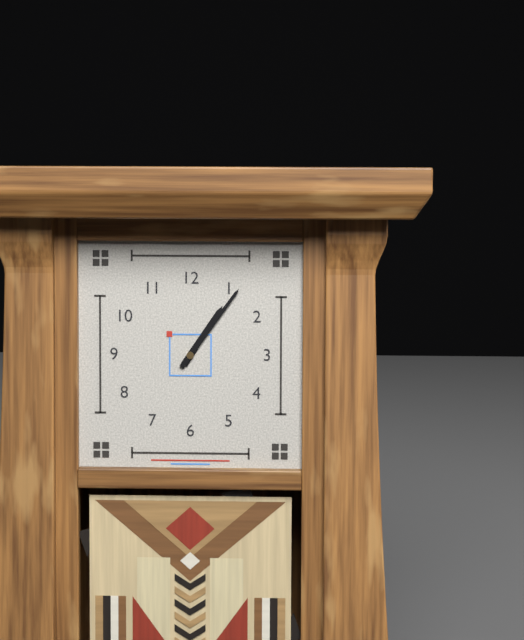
1h06
